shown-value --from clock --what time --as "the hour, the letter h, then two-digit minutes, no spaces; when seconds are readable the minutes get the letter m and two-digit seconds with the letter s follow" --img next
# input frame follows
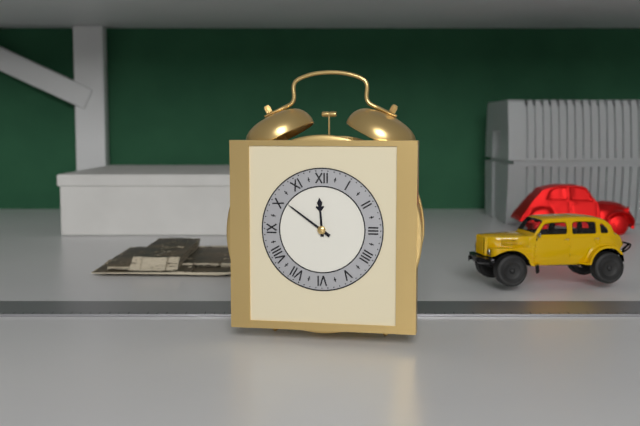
11h51
